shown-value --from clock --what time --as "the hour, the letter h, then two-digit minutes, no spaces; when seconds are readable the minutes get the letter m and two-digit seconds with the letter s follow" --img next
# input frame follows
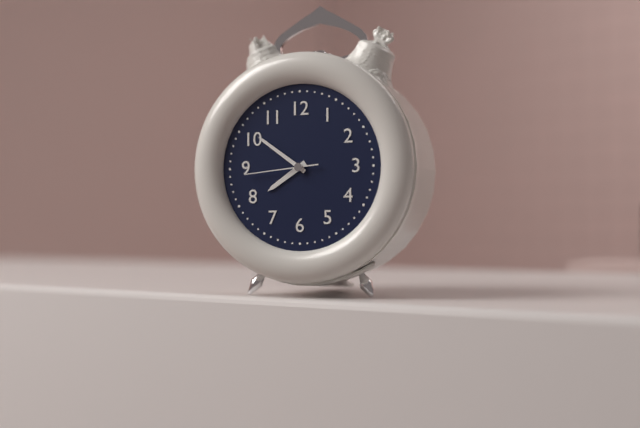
7h51m44s
